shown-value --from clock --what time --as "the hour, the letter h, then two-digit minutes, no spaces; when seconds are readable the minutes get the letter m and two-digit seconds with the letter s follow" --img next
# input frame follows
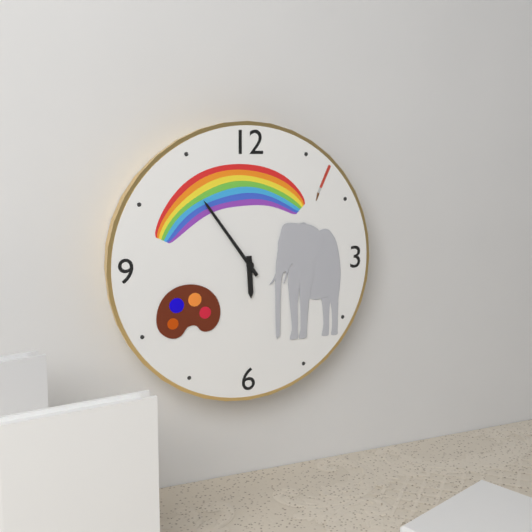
5h54
